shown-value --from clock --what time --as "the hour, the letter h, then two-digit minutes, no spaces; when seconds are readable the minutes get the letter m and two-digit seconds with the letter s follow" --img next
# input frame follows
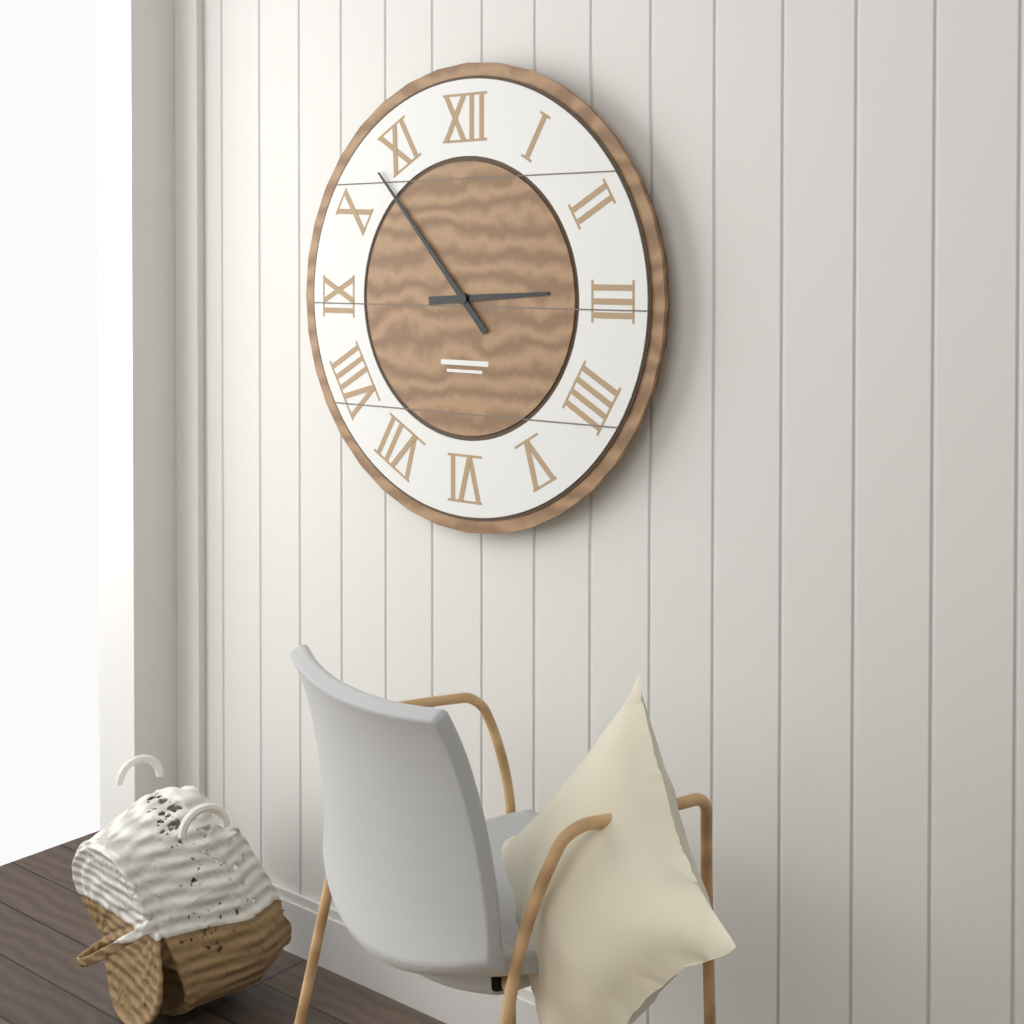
2h53
